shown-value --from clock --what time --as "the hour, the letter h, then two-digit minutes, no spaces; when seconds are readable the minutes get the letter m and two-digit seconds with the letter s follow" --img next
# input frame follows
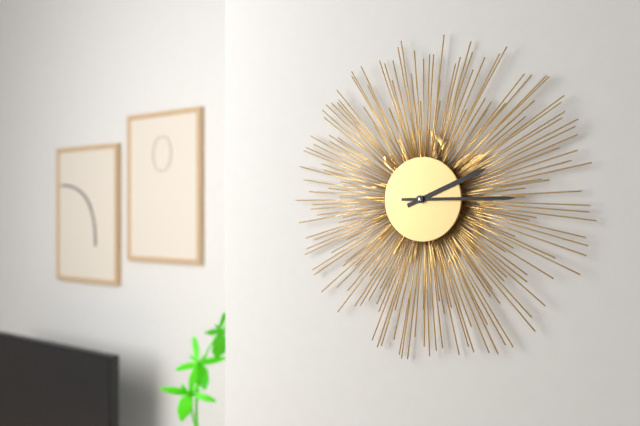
2h15
